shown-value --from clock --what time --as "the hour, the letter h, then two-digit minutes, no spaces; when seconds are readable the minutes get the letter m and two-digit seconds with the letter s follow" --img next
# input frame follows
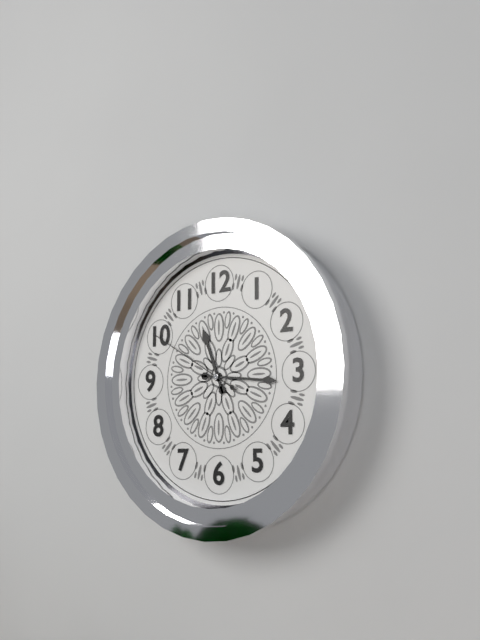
11h16m50s
